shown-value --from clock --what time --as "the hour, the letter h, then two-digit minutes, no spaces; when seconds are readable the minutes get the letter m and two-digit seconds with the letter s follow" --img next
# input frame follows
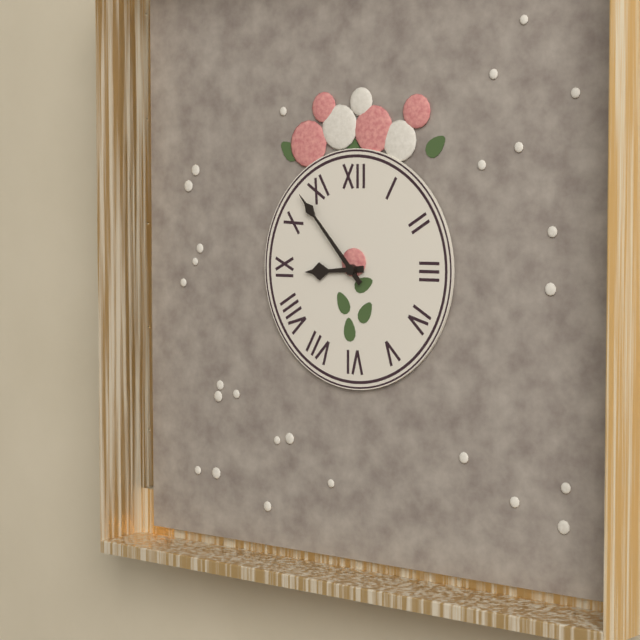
8h53
